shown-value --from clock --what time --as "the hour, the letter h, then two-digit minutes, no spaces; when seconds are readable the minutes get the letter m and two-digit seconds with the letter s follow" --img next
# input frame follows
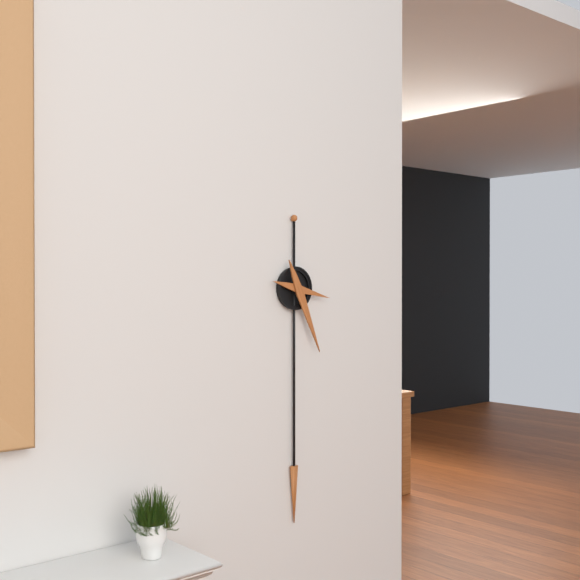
3h26
